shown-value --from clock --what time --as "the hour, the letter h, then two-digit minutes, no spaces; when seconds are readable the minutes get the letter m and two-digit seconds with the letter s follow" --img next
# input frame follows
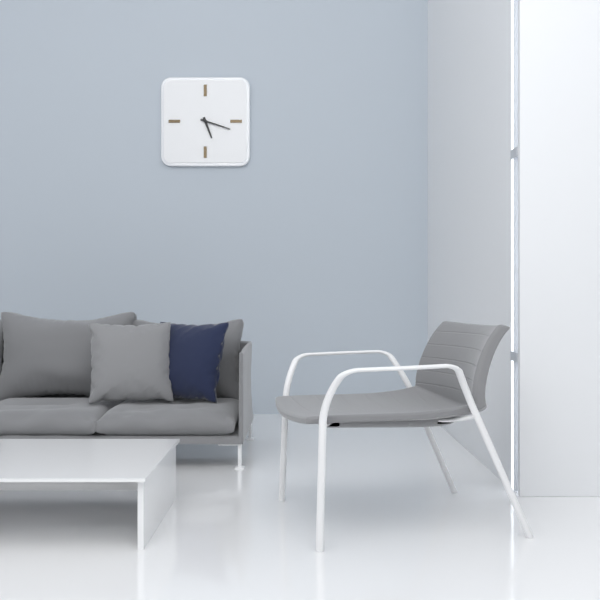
5h18
